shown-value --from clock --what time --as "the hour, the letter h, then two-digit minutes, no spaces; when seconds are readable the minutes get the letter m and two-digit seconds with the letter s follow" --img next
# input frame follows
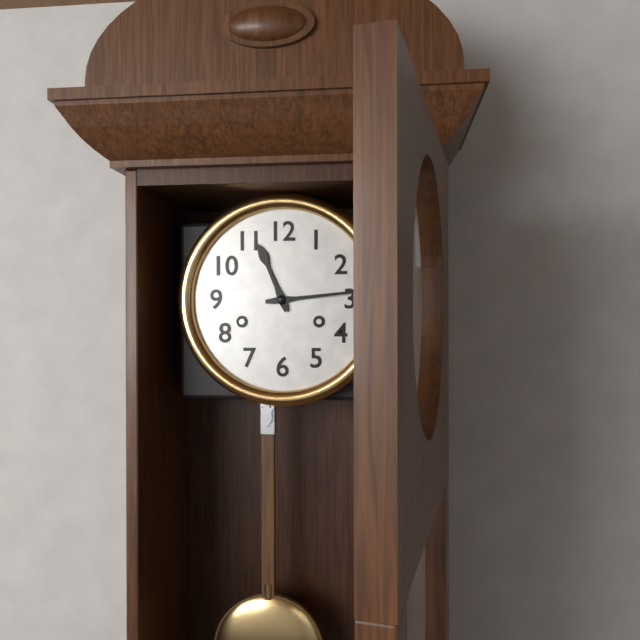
11h14
